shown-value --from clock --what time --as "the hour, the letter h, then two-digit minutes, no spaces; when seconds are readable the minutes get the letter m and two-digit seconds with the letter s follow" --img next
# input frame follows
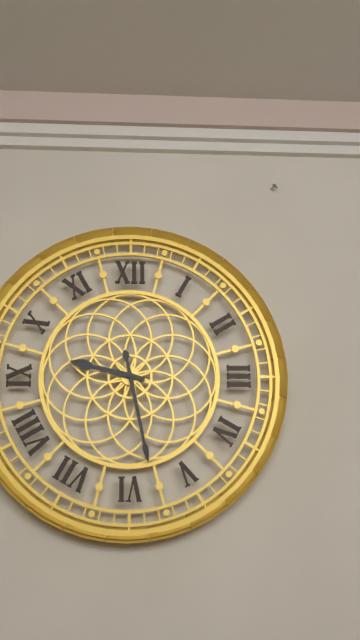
9h28
